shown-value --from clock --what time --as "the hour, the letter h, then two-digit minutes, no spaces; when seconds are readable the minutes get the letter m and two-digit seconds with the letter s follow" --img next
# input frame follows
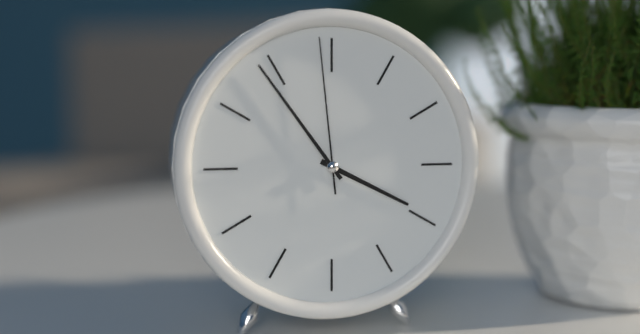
3h54m59s
